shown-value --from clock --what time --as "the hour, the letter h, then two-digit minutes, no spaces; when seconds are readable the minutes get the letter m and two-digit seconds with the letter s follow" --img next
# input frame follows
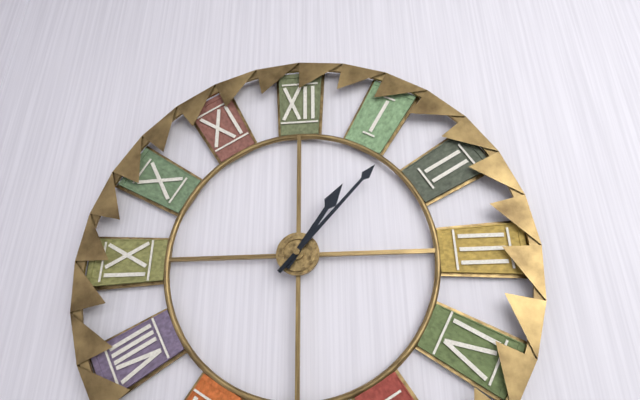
1h07
